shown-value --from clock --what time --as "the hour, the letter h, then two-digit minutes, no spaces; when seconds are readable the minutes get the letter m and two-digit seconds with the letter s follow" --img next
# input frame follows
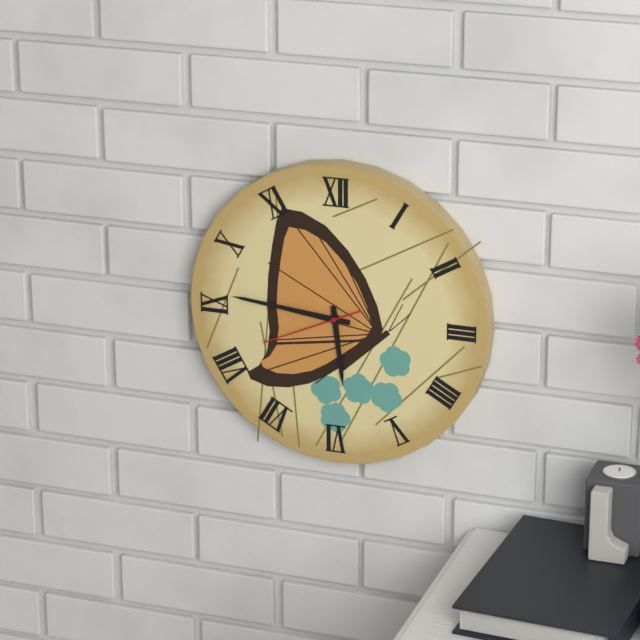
5h46m41s
